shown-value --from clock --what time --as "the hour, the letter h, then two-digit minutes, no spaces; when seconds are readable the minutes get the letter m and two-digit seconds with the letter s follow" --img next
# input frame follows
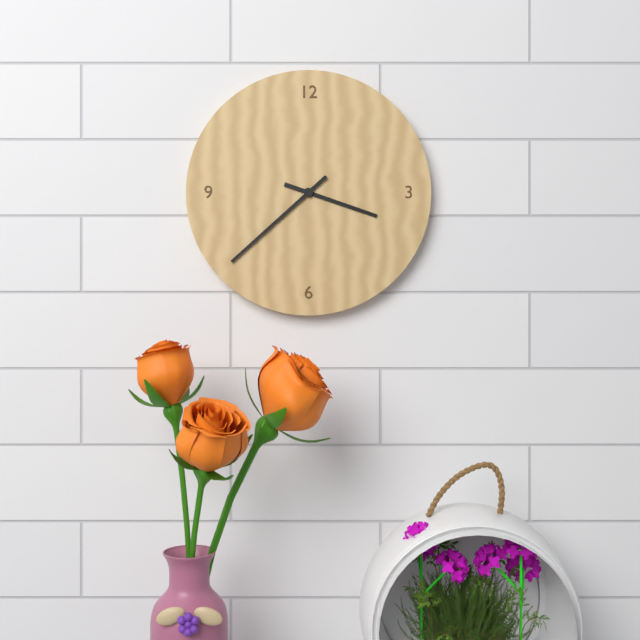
3h38
